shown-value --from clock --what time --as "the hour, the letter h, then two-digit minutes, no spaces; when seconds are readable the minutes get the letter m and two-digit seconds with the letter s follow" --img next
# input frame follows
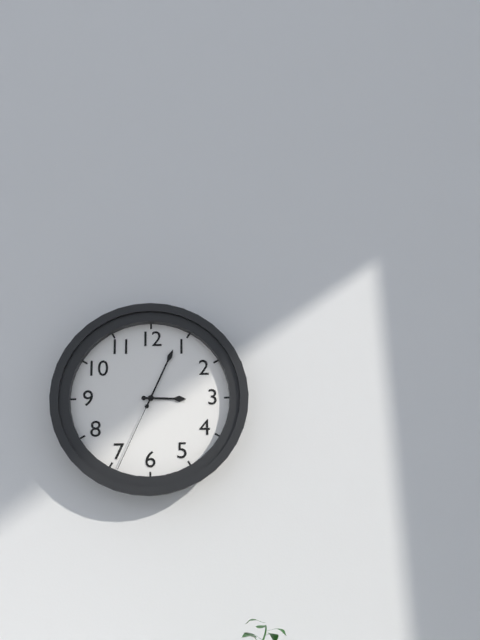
3h04m34s
